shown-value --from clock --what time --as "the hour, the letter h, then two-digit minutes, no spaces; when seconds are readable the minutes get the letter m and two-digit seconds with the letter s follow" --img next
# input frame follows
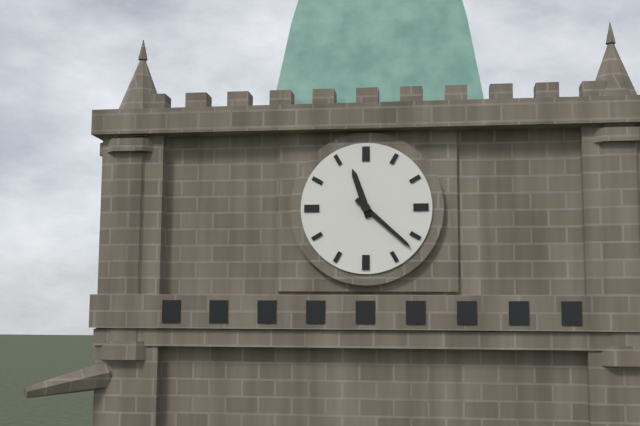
11h22
